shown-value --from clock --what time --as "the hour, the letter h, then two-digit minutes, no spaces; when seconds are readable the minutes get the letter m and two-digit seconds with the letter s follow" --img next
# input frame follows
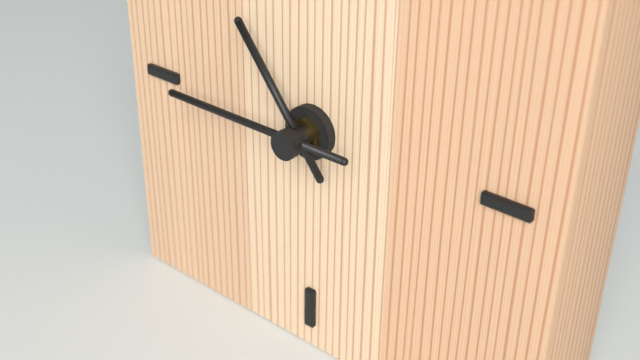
10h45
